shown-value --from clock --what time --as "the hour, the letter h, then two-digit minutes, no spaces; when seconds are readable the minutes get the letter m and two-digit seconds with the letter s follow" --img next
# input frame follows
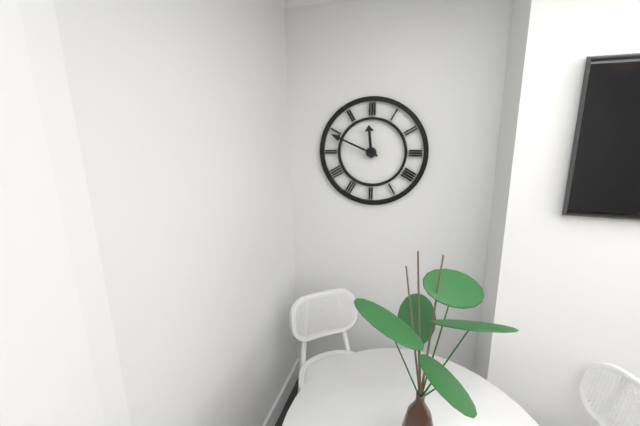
11h49
